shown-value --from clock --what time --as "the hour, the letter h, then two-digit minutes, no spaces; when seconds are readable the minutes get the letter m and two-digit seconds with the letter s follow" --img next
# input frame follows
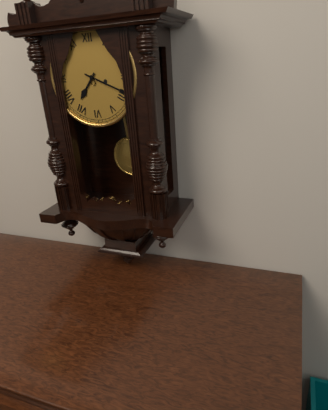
7h19
